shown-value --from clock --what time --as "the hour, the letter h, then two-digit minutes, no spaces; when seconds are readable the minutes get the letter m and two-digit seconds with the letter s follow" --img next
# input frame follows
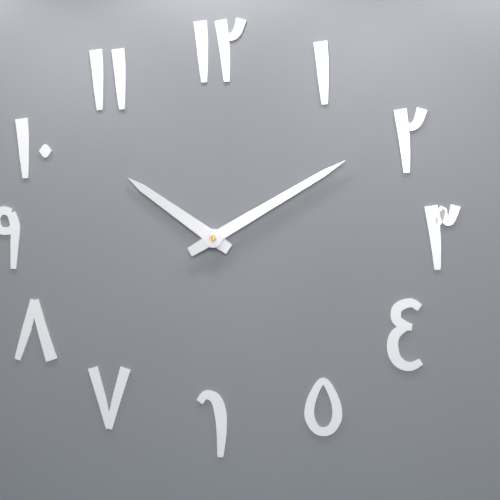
10h10
